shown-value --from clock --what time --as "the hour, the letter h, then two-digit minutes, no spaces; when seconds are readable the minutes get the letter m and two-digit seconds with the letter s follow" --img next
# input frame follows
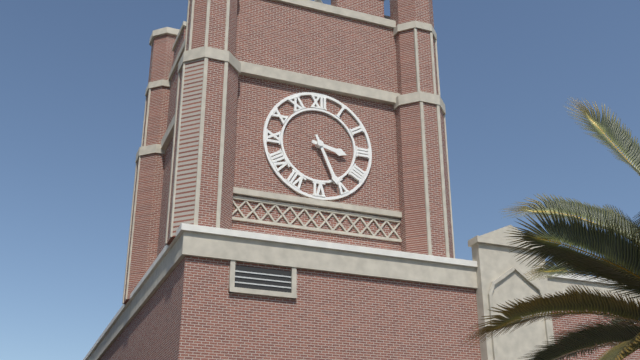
3h26
